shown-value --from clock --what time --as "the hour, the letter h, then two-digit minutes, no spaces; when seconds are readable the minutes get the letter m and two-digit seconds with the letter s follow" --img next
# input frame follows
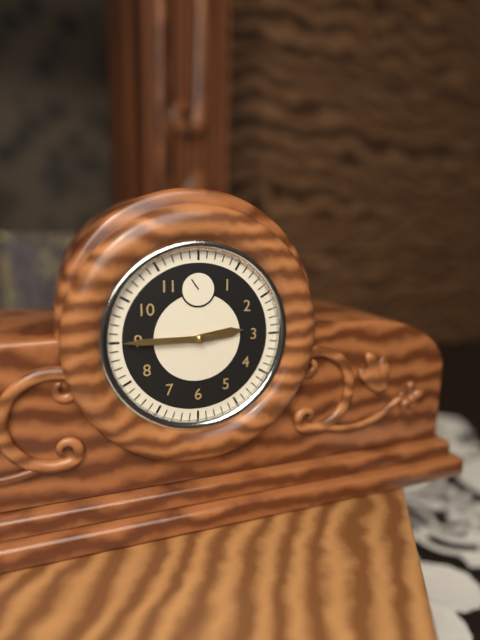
2h45
